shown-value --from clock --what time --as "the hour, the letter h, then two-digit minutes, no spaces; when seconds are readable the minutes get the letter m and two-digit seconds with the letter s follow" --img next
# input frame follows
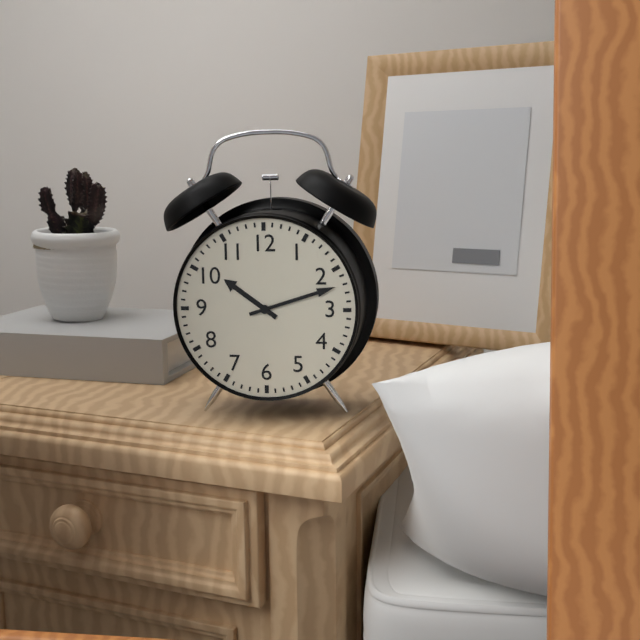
10h12
